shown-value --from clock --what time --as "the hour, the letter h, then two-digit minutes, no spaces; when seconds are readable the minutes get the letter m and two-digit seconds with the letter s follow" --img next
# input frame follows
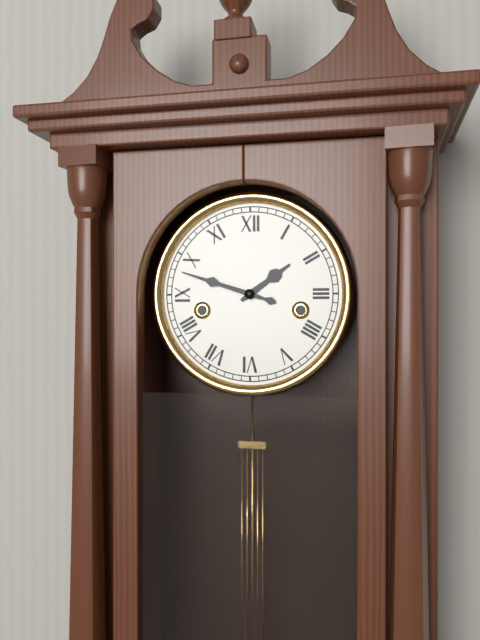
1h48
